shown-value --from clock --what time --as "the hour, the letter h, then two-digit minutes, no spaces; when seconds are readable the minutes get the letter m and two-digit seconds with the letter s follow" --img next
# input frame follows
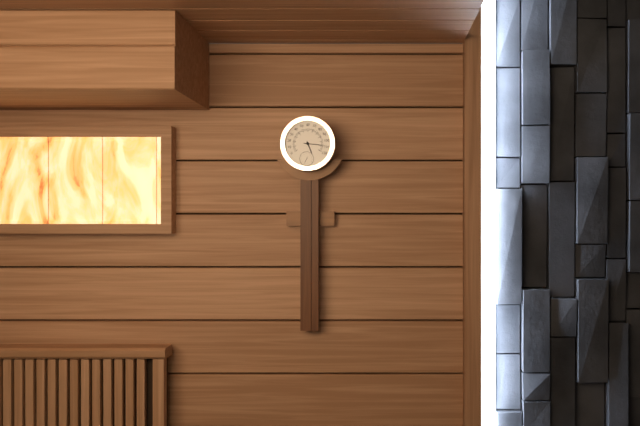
5h16
